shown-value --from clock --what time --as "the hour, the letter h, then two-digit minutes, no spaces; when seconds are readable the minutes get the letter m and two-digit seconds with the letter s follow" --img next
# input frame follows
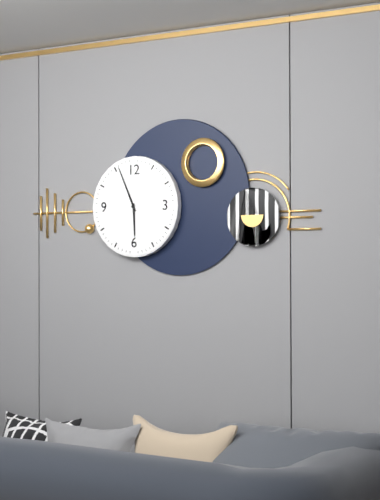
5h56
